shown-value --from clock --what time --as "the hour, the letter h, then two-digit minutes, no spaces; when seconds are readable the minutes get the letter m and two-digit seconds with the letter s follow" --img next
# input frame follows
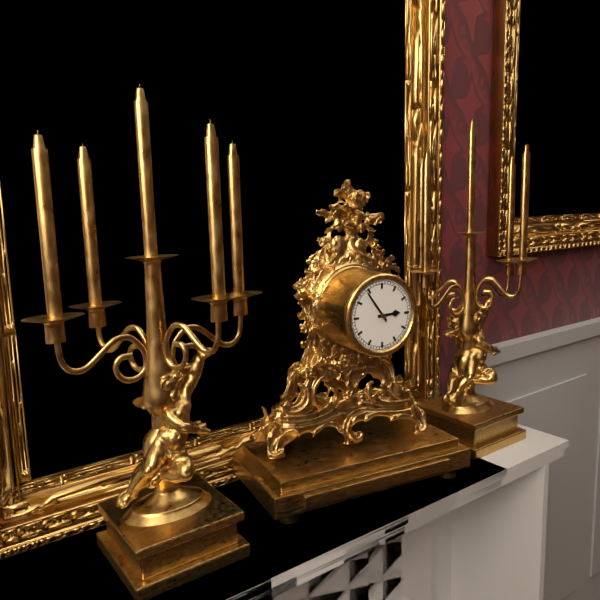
2h54
